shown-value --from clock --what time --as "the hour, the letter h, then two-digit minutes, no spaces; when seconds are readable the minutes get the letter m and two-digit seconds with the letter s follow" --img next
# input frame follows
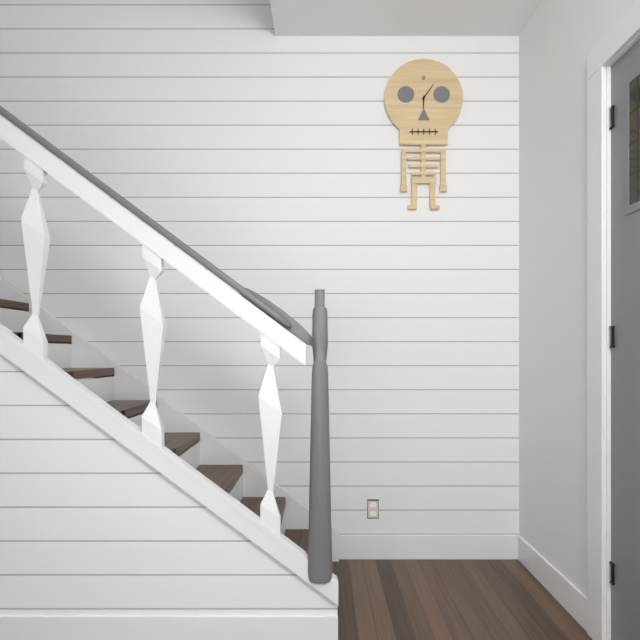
6h06
